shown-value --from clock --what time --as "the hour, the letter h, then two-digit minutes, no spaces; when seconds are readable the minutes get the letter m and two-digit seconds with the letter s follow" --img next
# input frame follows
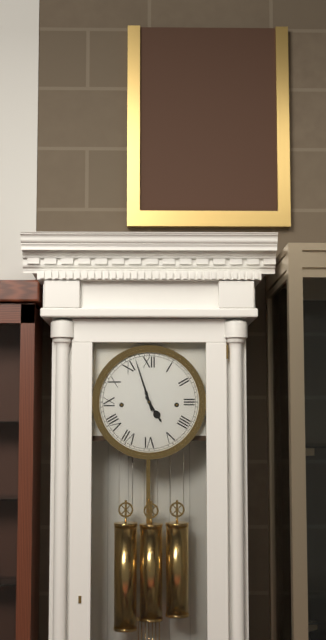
4h57
